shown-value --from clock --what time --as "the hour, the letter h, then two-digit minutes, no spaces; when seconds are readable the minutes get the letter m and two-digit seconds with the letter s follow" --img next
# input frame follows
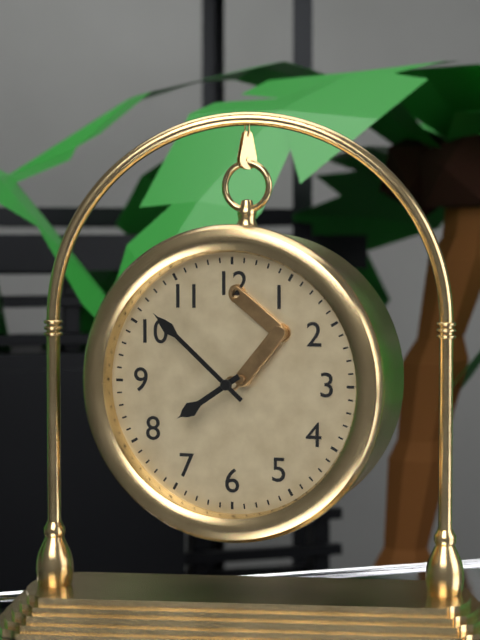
7h52
